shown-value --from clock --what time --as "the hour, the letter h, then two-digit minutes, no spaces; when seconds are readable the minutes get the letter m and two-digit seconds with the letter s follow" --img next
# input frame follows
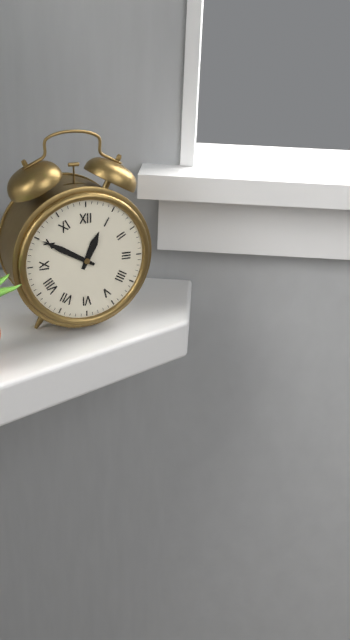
12h50
